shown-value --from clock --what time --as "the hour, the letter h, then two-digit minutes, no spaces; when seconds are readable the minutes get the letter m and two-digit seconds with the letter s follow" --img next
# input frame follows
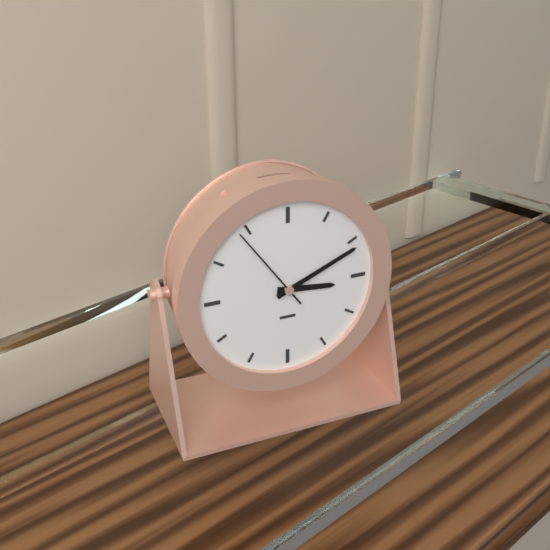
3h11m54s
